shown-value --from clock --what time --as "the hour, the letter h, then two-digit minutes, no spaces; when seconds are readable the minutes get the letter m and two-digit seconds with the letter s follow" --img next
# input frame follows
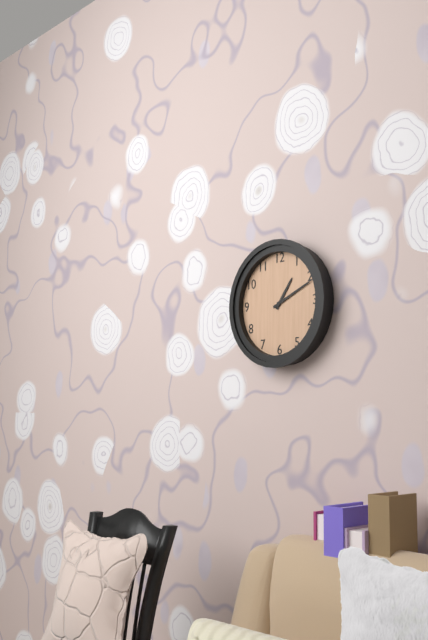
1h11
